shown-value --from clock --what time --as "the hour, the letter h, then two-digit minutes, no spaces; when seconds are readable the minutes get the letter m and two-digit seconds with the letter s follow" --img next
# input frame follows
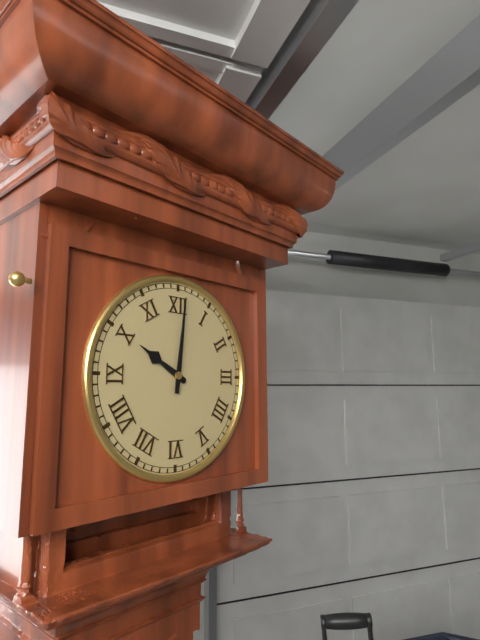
10h01
